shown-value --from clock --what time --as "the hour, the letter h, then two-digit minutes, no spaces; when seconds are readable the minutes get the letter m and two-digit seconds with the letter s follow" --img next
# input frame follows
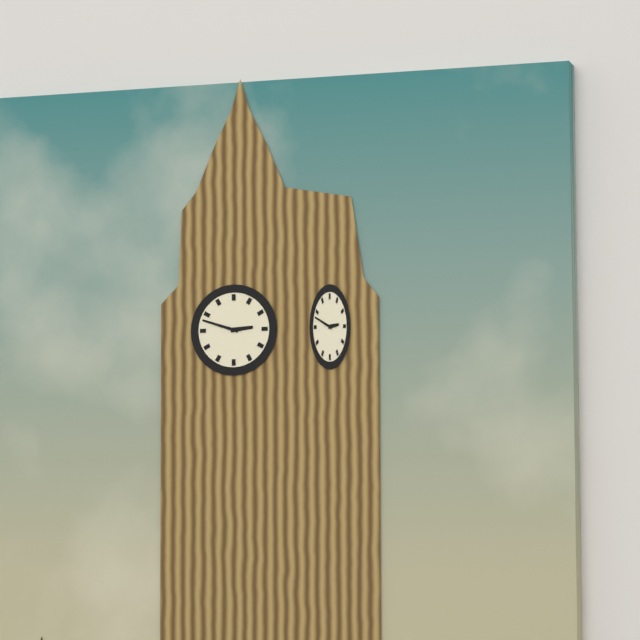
2h48
